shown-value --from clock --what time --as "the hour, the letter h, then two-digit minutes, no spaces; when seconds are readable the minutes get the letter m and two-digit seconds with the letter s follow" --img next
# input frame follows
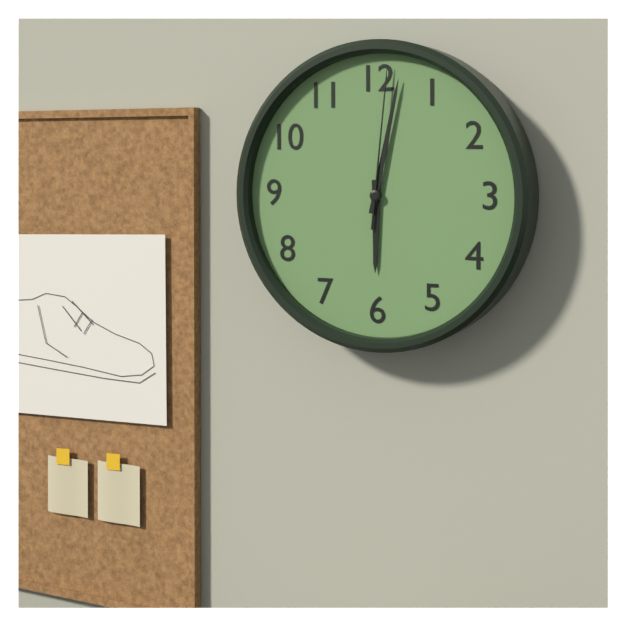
6h02m01s
